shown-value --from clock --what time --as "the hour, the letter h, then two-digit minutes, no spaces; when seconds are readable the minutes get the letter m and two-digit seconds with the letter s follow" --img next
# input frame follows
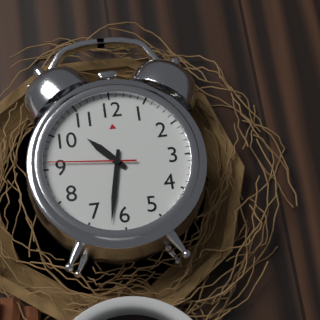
10h32m46s
